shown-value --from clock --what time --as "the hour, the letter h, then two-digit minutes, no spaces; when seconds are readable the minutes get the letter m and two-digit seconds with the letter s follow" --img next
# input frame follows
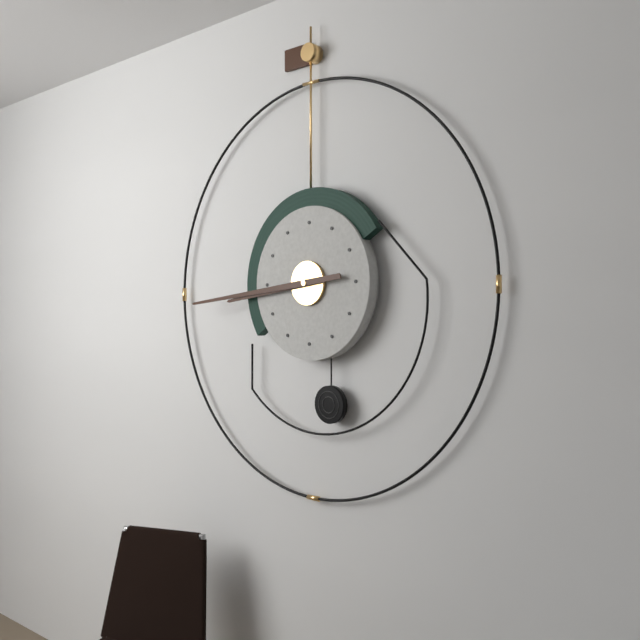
8h44
